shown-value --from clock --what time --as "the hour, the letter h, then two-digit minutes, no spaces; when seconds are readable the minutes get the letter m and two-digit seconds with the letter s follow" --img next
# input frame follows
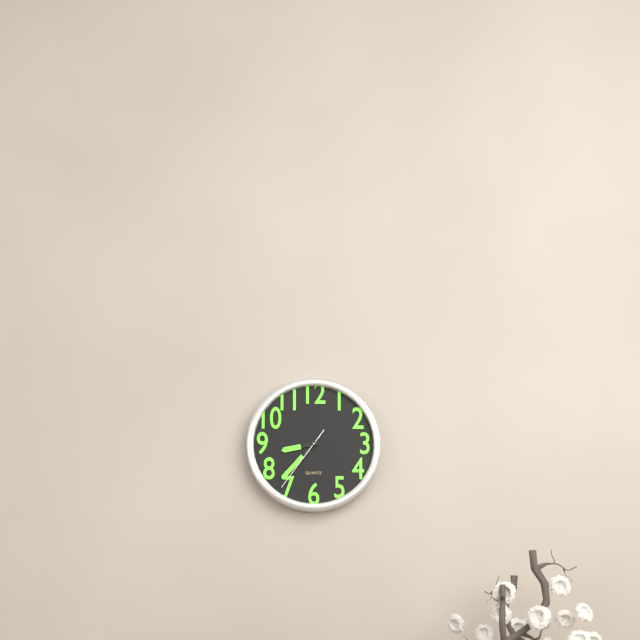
8h37m36s
